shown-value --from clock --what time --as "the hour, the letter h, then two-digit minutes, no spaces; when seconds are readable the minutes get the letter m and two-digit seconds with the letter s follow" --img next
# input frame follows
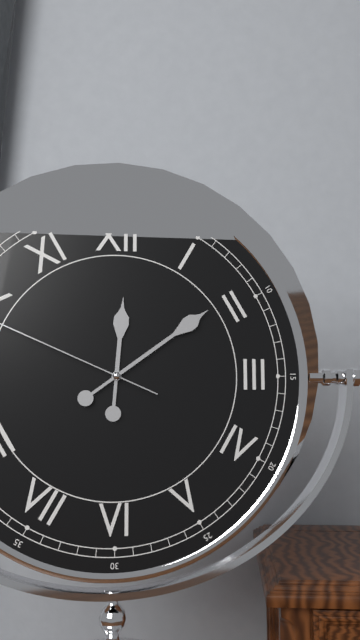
12h09
